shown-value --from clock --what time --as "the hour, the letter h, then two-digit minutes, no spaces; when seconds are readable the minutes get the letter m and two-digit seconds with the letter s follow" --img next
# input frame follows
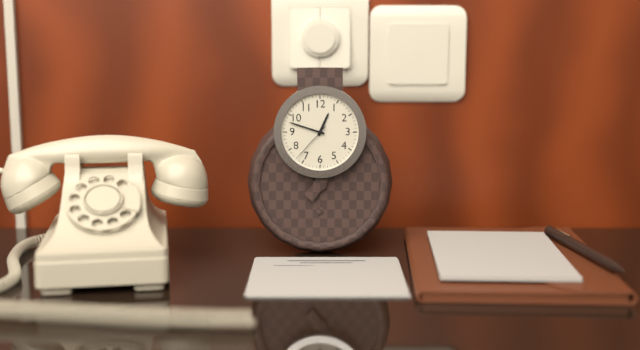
12h48
